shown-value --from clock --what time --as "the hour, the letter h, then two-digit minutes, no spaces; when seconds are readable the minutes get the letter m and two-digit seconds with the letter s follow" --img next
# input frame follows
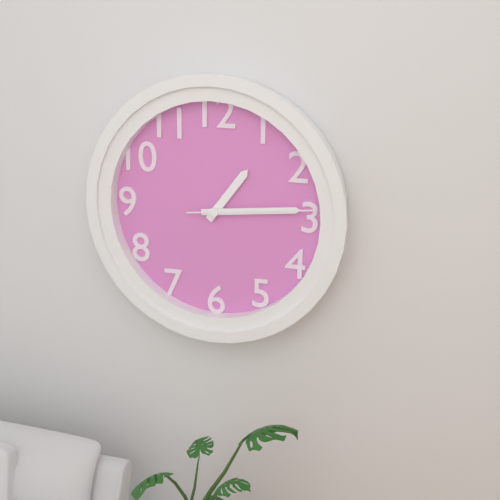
1h14m14s
